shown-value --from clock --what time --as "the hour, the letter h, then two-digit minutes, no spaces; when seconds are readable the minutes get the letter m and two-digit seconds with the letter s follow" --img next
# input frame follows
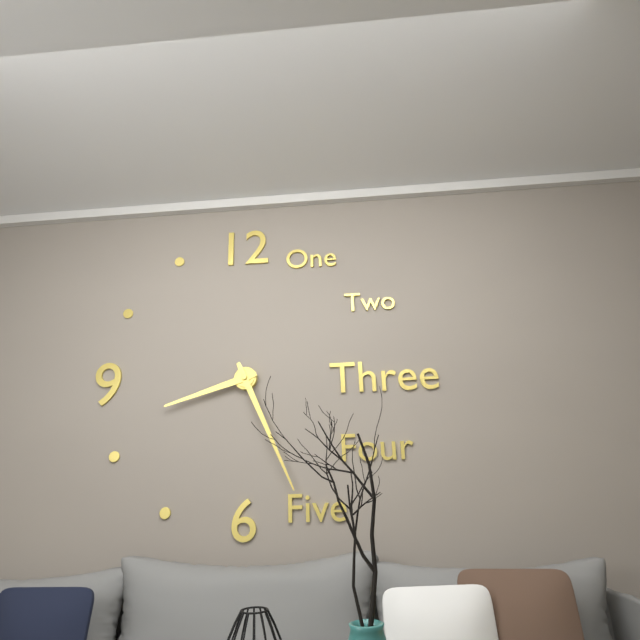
8h26
